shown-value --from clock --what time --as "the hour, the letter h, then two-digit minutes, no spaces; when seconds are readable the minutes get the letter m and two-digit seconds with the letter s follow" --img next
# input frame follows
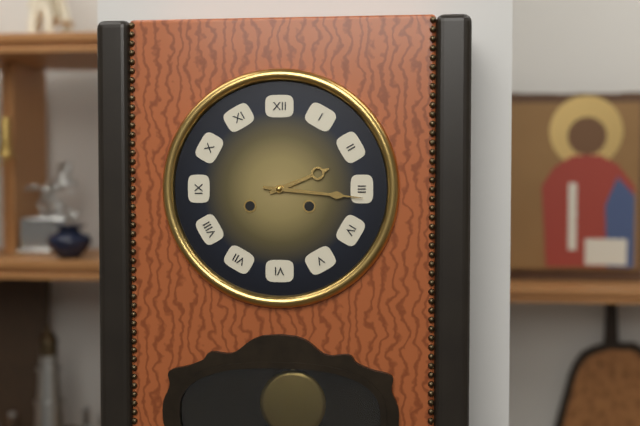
2h16
